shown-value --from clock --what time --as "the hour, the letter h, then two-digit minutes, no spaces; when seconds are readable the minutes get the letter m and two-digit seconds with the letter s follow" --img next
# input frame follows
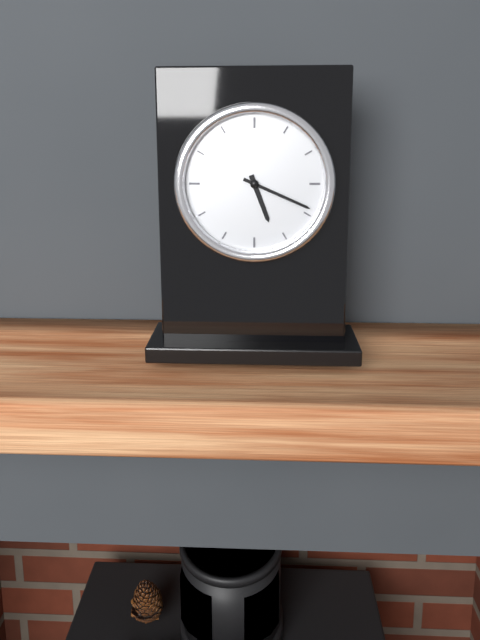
5h19
